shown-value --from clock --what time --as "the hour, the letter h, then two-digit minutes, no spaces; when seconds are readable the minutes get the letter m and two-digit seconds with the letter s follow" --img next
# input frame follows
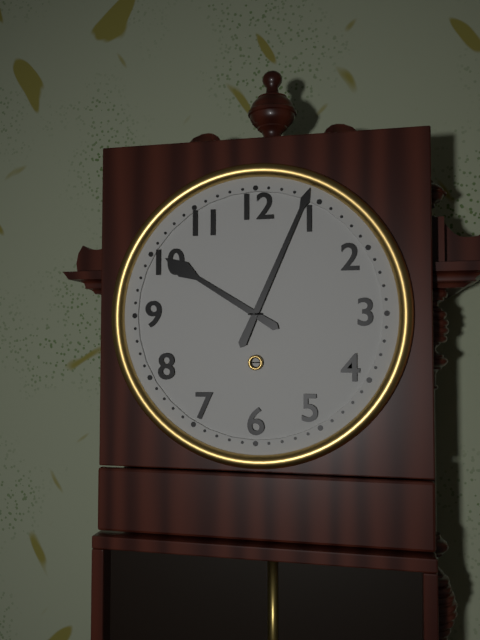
10h04
